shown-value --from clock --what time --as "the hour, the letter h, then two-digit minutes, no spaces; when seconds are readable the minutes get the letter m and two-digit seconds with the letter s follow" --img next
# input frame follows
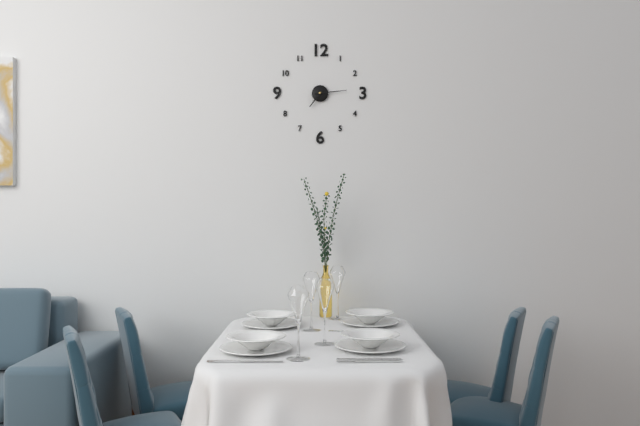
7h14
